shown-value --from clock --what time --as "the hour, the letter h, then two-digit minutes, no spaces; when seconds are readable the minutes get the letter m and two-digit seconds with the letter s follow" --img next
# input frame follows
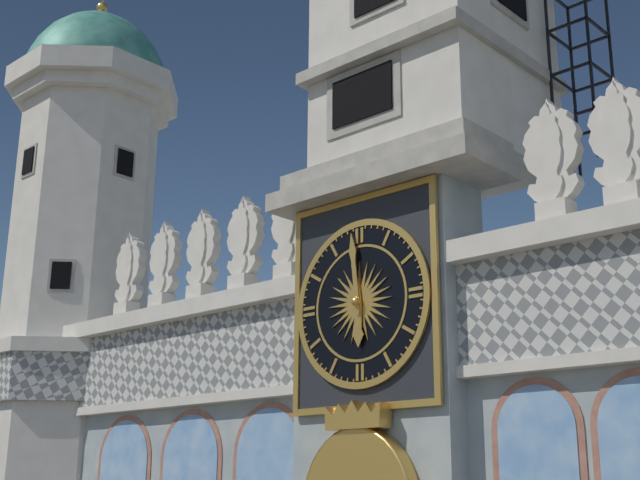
5h59
